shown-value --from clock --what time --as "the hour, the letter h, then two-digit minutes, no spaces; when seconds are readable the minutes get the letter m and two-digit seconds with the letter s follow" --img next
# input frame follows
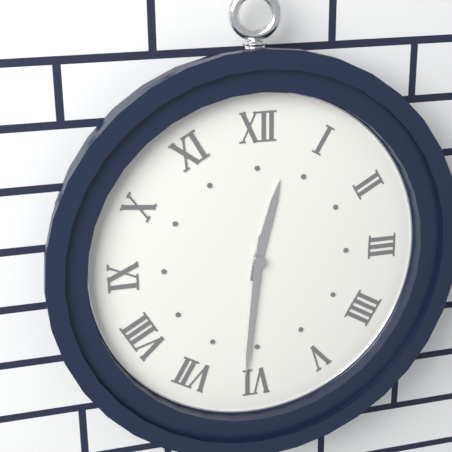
12h31
